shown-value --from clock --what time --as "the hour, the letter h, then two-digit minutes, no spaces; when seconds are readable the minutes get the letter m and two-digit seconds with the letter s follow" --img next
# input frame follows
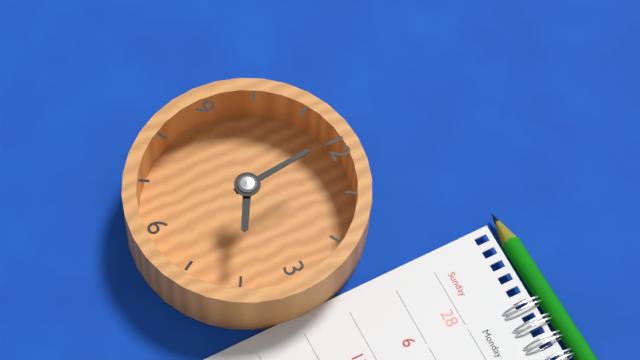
3h59
